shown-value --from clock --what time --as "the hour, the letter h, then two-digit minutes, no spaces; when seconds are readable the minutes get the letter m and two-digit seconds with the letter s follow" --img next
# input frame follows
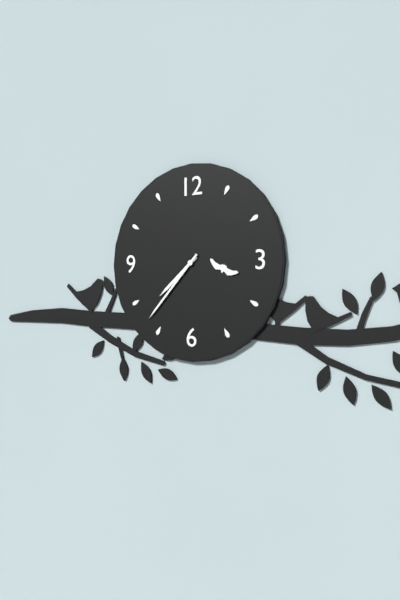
7h37
